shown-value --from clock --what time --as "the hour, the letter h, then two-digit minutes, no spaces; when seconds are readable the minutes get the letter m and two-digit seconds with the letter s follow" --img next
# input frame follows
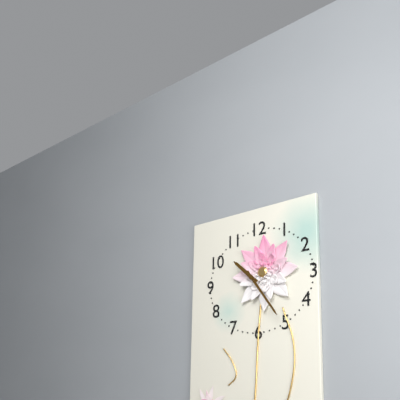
10h24
